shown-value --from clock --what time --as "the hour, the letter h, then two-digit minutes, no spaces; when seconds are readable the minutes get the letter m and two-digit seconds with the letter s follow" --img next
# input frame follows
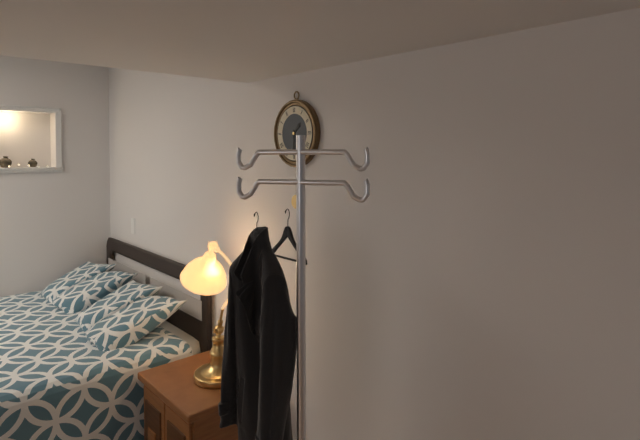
1h30
